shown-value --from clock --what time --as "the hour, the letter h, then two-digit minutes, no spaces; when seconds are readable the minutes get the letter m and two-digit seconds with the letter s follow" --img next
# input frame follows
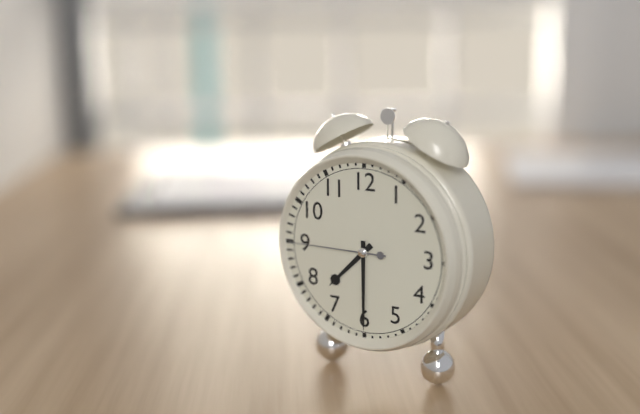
7h30m45s
